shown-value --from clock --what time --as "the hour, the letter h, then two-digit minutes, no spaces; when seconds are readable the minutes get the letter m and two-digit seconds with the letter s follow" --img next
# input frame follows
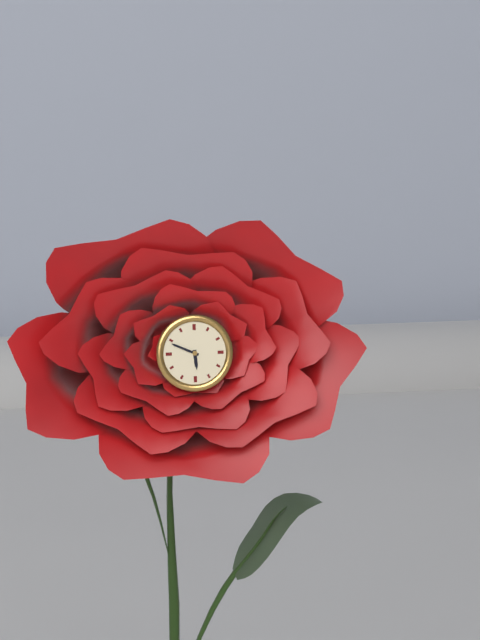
5h49
